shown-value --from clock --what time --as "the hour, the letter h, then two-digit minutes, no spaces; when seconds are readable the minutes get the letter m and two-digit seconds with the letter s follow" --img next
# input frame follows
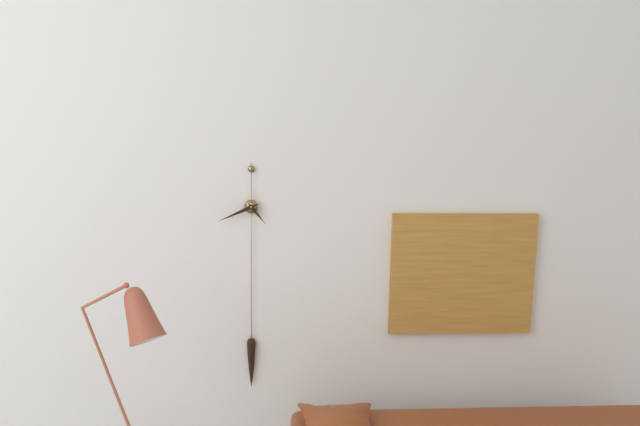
4h41
